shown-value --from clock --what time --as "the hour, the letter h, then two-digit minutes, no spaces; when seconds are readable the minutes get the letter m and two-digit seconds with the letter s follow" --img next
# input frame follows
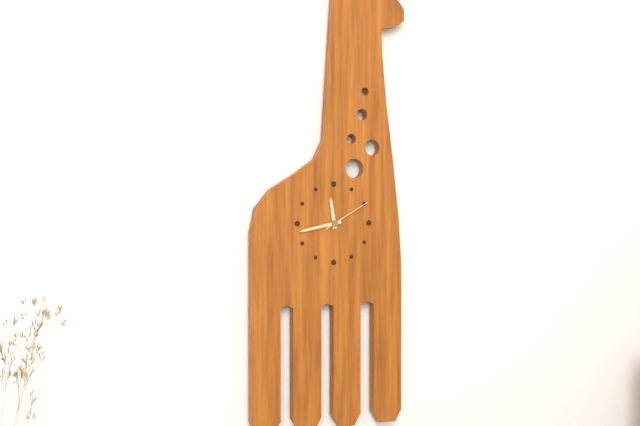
11h43m10s
